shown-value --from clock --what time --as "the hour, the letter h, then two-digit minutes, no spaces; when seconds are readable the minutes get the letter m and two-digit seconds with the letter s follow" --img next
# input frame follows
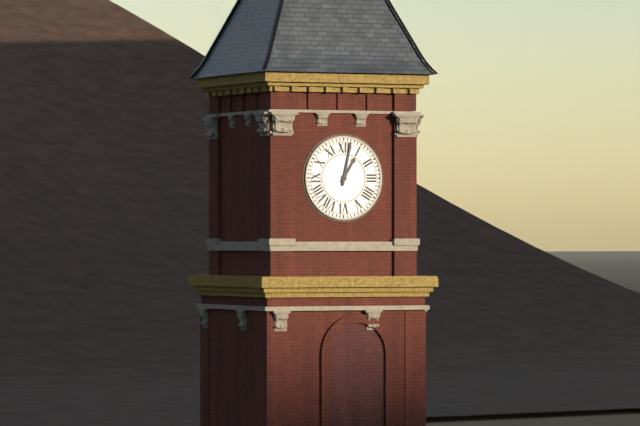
1h02
